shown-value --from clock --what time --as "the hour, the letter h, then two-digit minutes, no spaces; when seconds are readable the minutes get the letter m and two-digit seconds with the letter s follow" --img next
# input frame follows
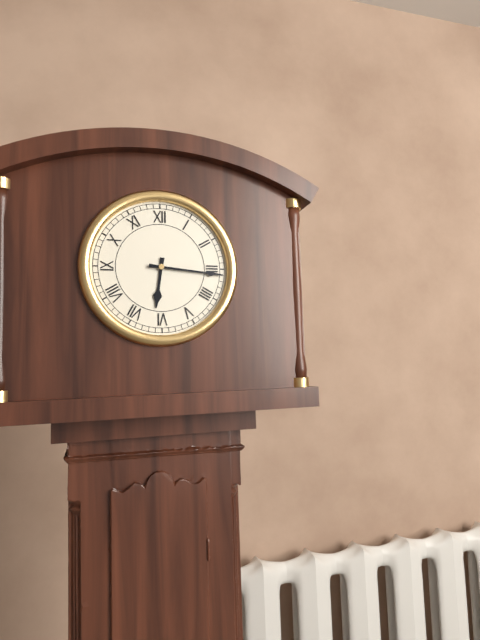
6h16
